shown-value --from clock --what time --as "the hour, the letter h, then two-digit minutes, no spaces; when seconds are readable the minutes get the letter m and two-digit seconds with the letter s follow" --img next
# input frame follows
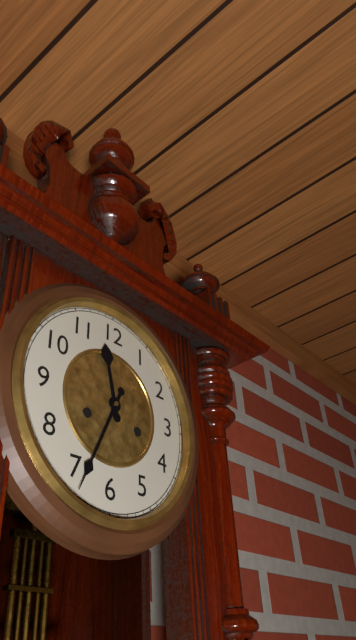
11h34
